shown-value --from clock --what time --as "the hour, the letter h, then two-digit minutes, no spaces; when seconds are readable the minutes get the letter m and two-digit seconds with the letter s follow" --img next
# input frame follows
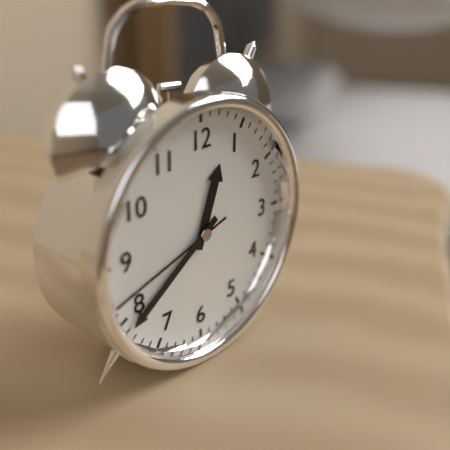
12h39m42s
